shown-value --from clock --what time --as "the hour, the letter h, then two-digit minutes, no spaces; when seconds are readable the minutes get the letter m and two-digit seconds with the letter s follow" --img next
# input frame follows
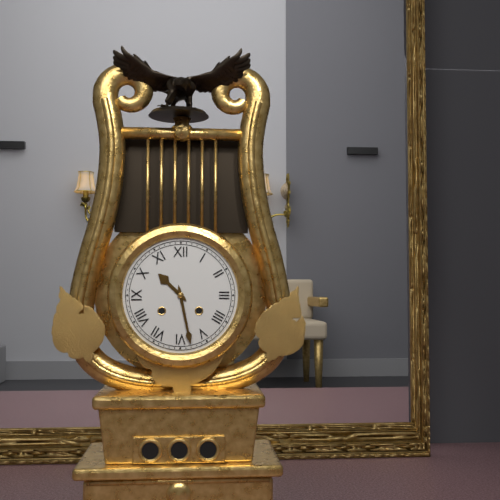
10h28
